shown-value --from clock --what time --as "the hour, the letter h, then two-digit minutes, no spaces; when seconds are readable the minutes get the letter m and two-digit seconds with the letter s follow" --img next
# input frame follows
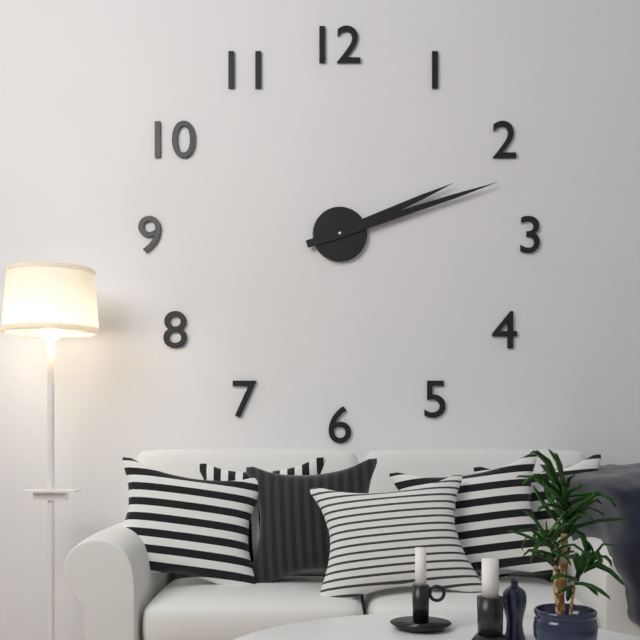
2h12
